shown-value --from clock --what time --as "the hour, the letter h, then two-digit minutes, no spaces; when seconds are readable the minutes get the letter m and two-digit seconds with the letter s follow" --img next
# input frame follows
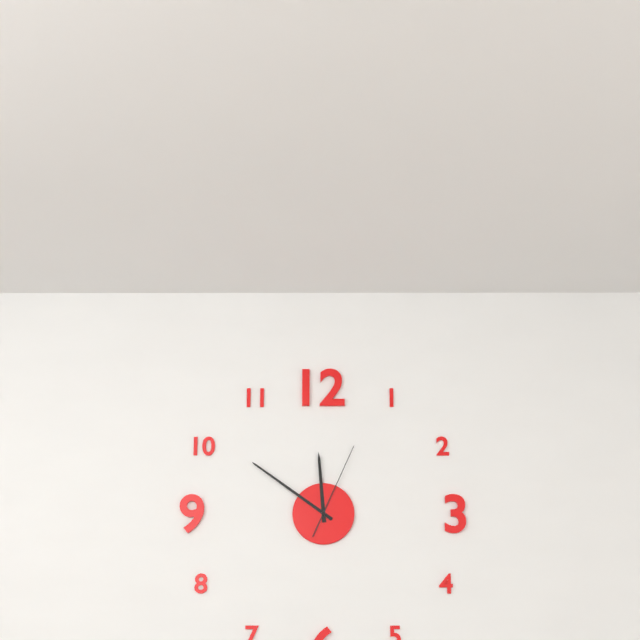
11h51m04s
